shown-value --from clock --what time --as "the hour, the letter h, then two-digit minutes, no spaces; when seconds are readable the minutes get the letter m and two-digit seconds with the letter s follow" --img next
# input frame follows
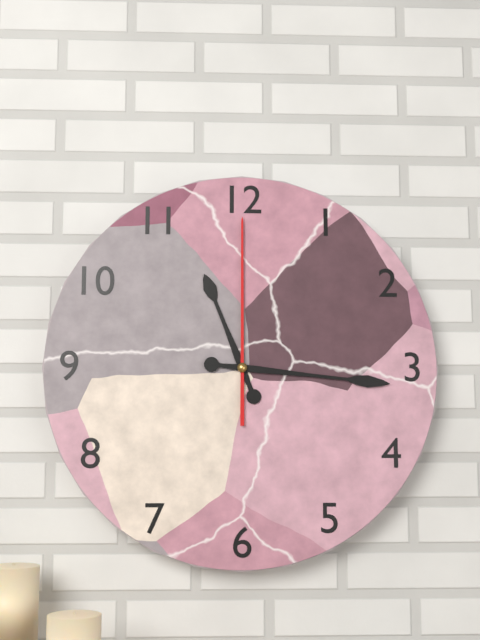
11h16m00s
